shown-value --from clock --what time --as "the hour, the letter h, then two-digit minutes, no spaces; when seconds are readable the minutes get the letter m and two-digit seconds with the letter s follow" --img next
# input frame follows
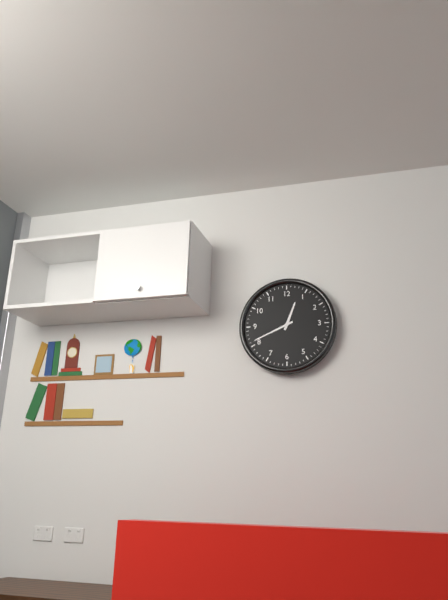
12h41
